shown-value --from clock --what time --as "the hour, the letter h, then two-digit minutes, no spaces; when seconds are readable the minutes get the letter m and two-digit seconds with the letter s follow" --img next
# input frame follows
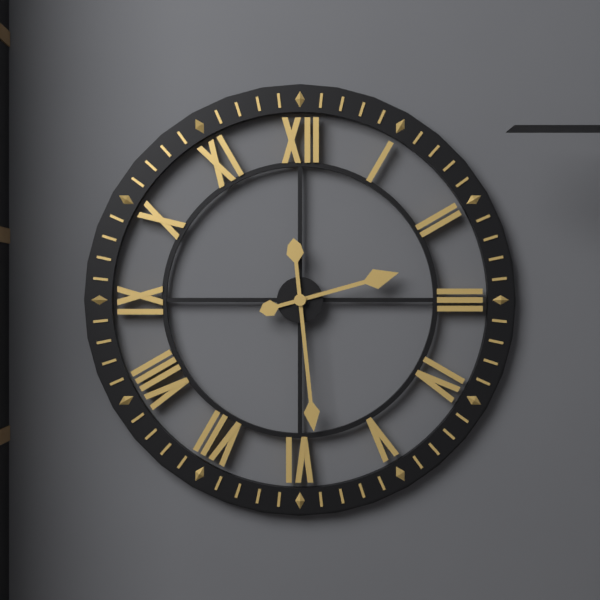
2h29
